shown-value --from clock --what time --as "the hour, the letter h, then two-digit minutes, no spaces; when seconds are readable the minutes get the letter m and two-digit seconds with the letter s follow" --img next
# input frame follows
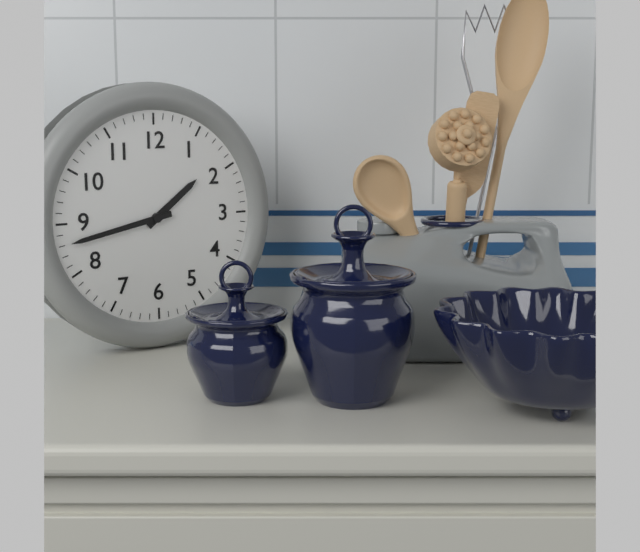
1h43
